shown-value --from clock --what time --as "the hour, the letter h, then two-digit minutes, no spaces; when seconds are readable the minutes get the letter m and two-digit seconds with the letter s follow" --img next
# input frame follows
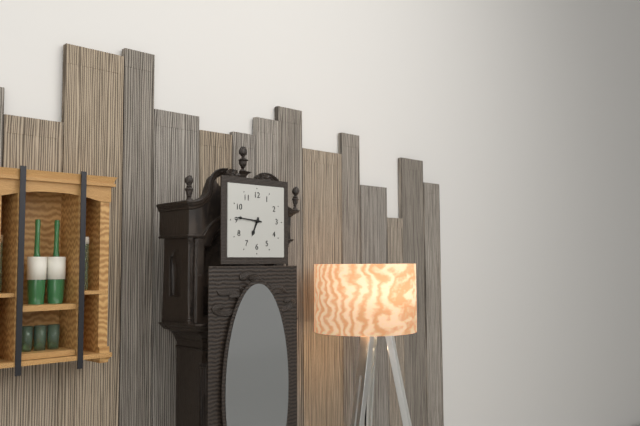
6h46
